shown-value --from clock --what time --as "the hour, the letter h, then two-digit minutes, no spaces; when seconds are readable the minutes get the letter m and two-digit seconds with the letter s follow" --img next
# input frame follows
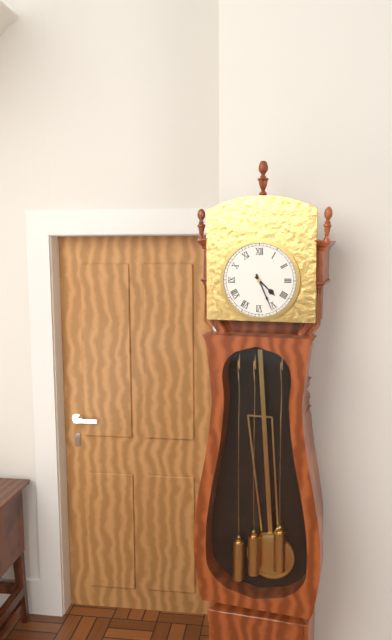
4h26
